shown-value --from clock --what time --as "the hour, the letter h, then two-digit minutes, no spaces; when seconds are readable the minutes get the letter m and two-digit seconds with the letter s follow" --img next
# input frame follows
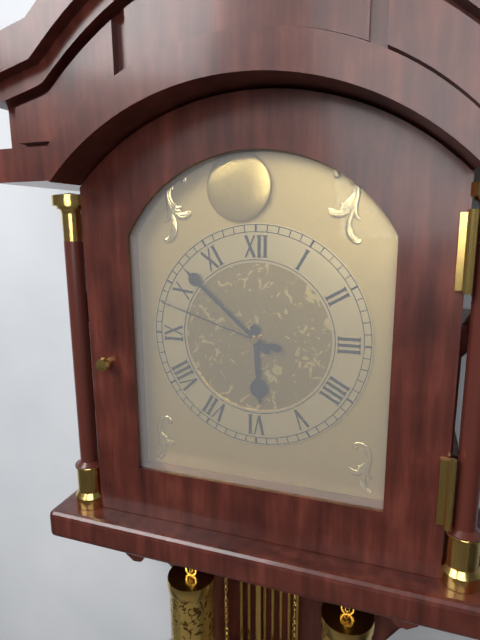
5h52m48s
